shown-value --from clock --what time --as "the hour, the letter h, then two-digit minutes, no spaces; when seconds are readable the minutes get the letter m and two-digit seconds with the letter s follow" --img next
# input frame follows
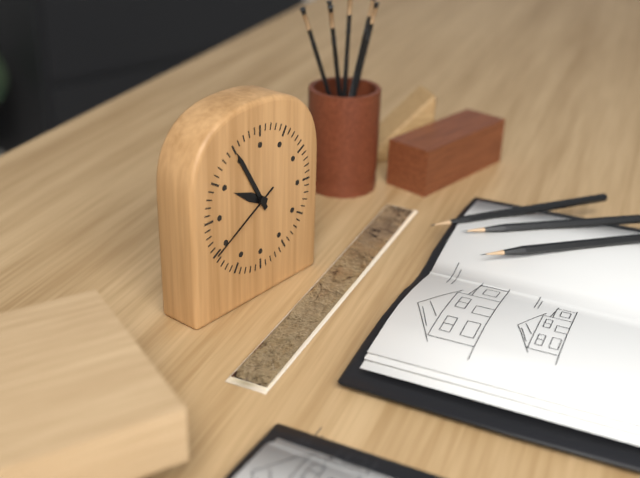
9h55m40s
